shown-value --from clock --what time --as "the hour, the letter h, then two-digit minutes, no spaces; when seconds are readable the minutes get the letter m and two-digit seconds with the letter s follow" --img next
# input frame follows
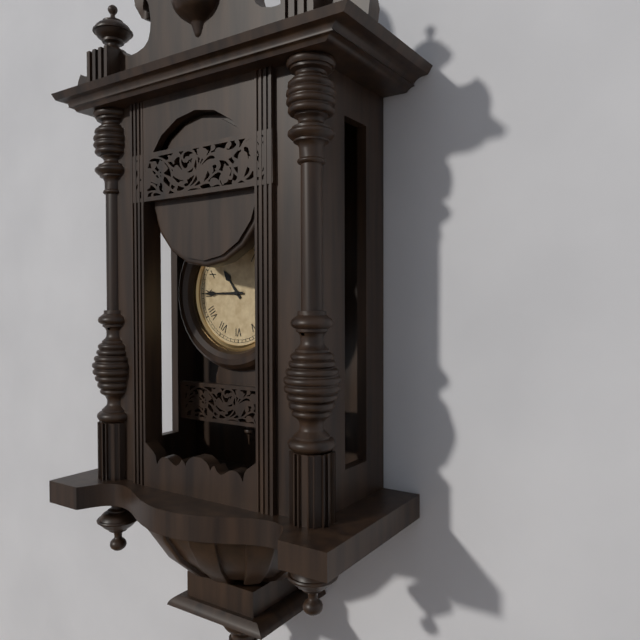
10h45
